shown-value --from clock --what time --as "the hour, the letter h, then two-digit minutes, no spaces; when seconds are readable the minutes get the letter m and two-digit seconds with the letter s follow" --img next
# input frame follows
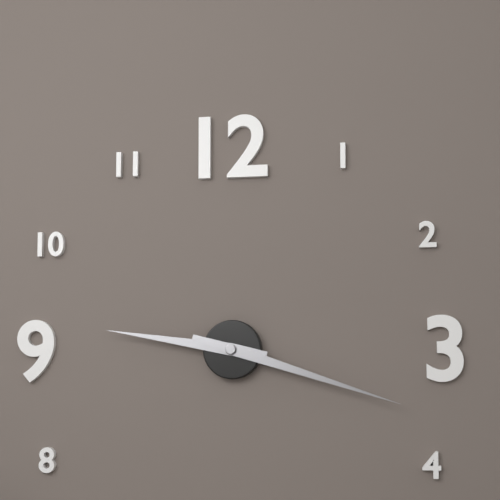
9h18
